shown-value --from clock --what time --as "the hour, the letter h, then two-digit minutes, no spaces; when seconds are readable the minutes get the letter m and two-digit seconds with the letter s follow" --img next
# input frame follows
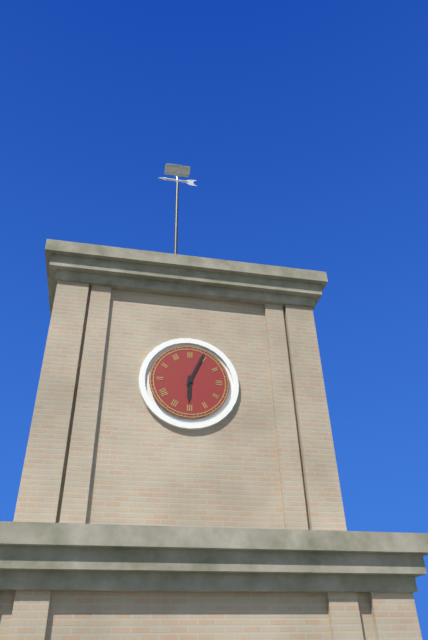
6h04
